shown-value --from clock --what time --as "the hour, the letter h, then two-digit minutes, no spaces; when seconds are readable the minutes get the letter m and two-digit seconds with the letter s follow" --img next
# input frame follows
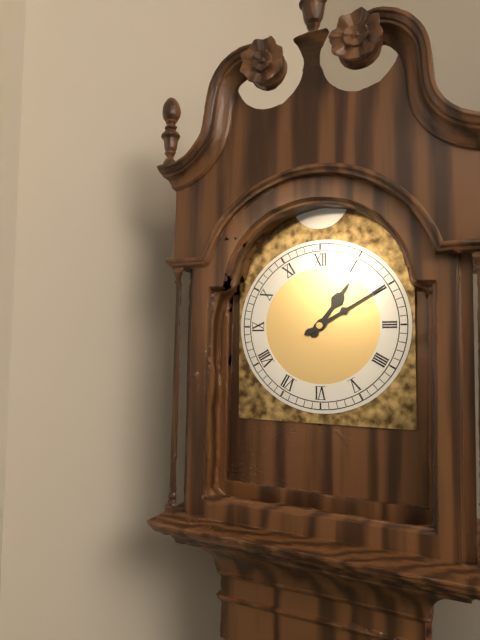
1h10
